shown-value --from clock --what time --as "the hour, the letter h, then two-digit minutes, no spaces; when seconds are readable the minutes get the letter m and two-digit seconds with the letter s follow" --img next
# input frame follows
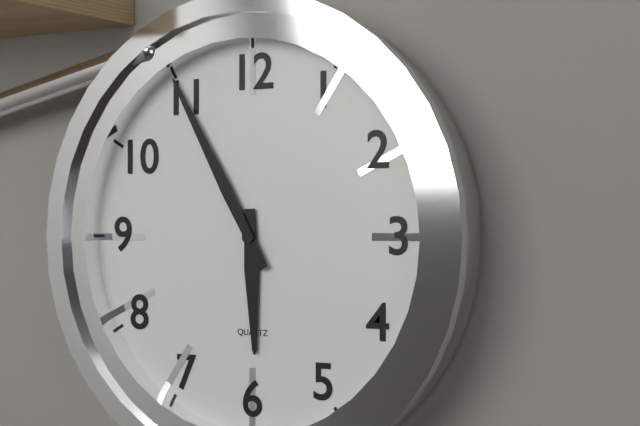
5h55
